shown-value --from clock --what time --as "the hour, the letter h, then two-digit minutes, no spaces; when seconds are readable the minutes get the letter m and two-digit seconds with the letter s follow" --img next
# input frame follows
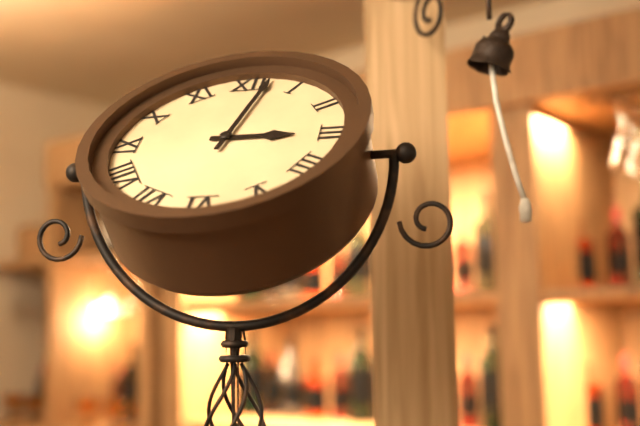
3h02
